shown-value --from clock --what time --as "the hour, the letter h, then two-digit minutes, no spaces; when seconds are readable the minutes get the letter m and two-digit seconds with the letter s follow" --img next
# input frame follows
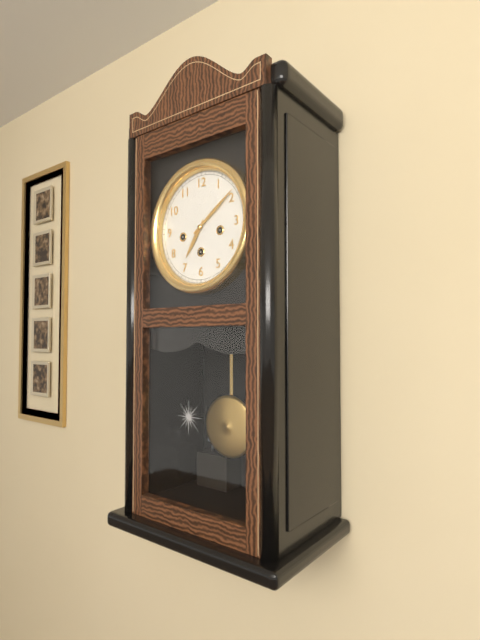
7h09
